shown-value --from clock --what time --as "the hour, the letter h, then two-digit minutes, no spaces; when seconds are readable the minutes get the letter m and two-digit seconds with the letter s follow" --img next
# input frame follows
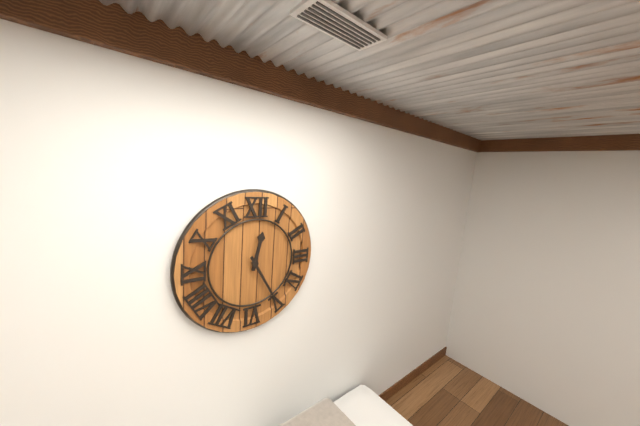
12h25
